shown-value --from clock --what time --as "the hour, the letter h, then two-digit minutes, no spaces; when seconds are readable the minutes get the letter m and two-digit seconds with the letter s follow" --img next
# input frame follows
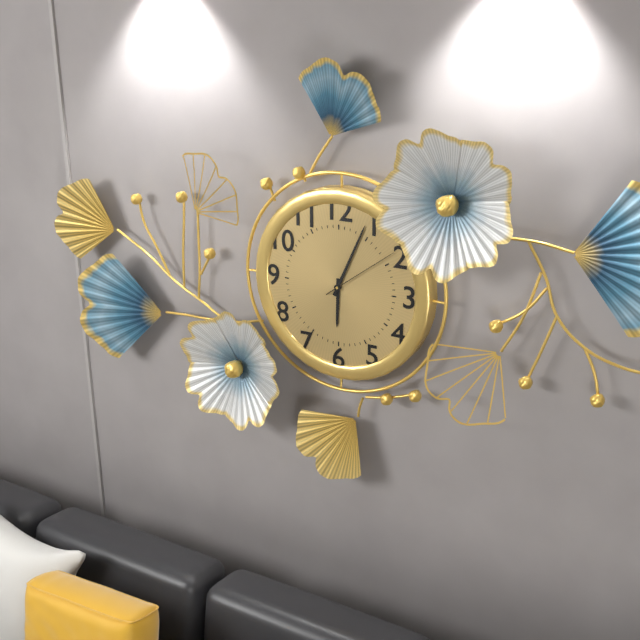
6h04m09s
